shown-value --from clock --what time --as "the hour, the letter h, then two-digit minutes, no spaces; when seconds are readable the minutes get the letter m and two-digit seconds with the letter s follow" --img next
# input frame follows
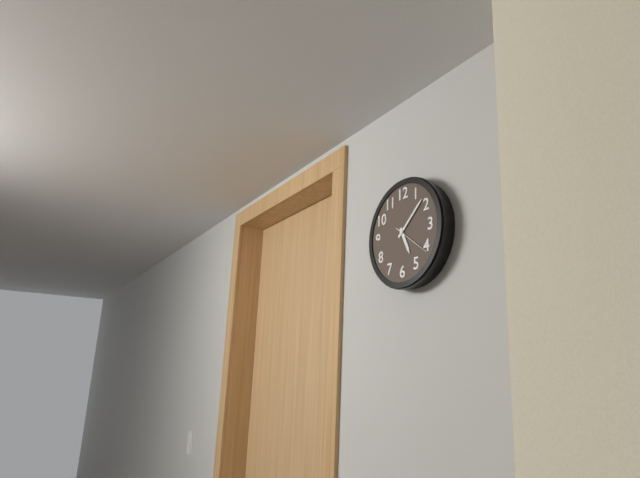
5h08
